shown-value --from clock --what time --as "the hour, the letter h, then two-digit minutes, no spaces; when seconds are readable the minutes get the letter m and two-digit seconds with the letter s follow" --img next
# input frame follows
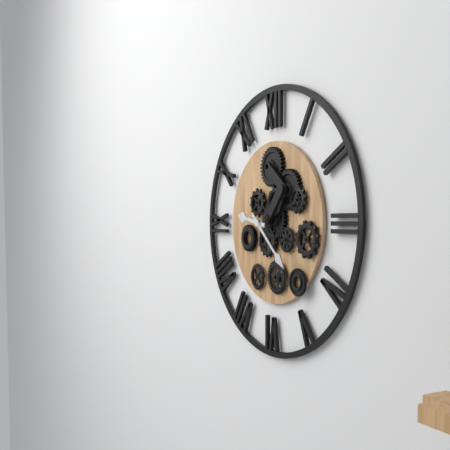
9h22
